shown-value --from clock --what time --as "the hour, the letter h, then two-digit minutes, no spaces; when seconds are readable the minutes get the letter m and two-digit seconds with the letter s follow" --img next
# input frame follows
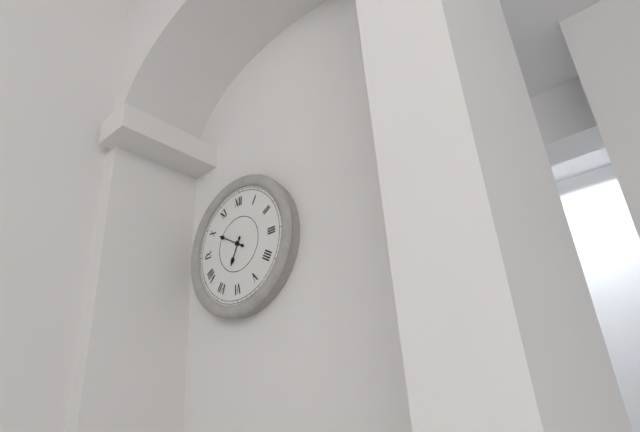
6h50
